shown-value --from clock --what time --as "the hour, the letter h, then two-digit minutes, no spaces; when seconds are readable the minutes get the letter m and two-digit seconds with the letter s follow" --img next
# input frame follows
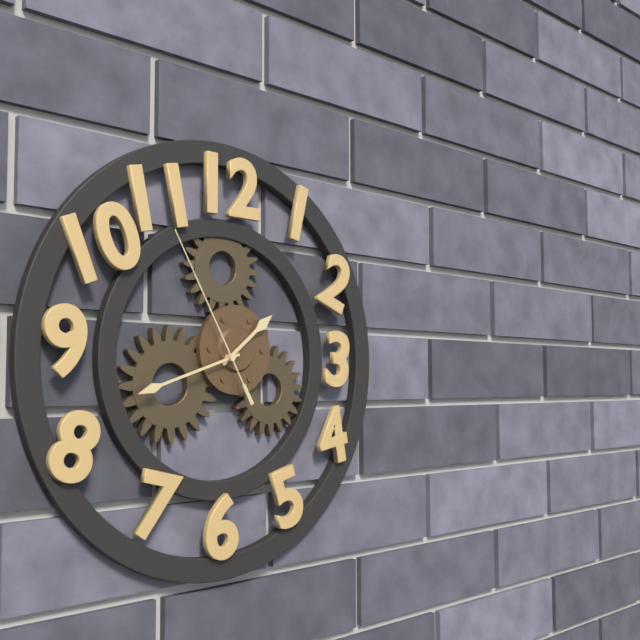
1h42m55s
